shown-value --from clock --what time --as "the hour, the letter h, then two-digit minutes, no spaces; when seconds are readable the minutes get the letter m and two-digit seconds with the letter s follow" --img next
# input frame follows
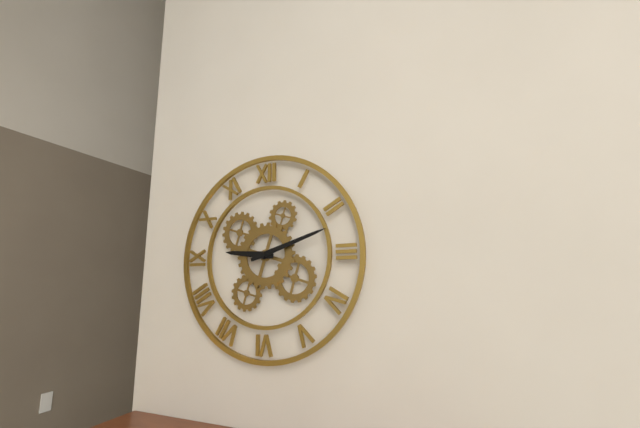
9h12
